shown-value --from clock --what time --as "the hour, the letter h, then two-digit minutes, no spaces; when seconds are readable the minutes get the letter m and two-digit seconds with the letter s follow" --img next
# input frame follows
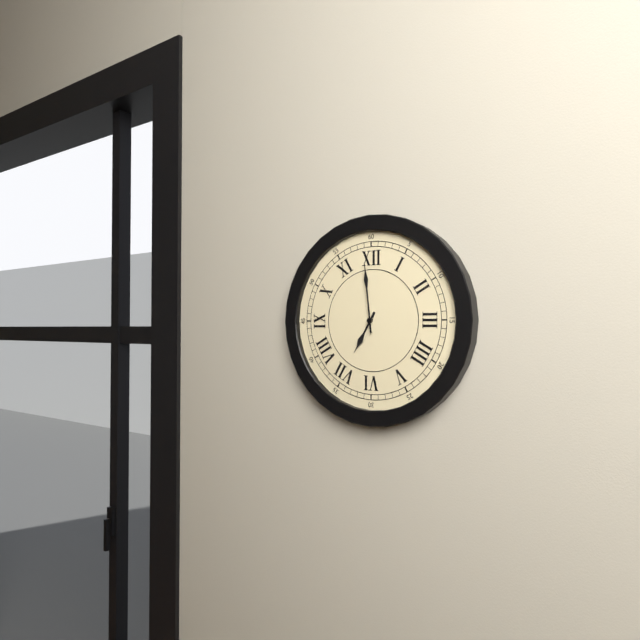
6h59
